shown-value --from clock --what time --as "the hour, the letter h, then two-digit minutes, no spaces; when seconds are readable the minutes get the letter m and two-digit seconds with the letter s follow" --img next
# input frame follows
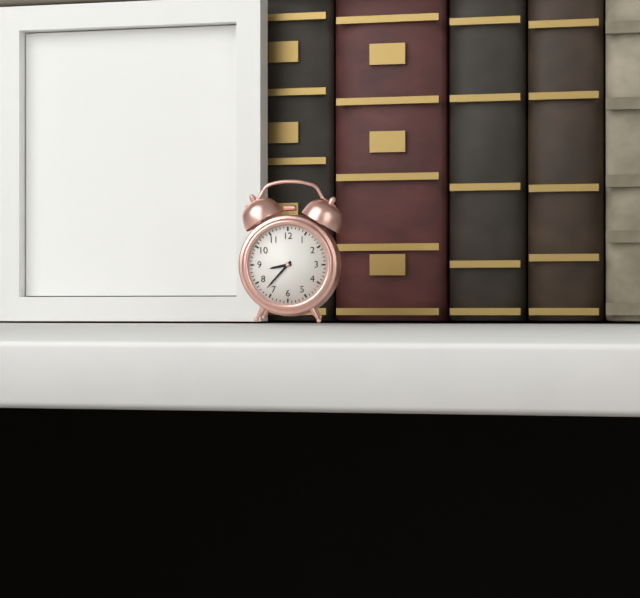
8h37
